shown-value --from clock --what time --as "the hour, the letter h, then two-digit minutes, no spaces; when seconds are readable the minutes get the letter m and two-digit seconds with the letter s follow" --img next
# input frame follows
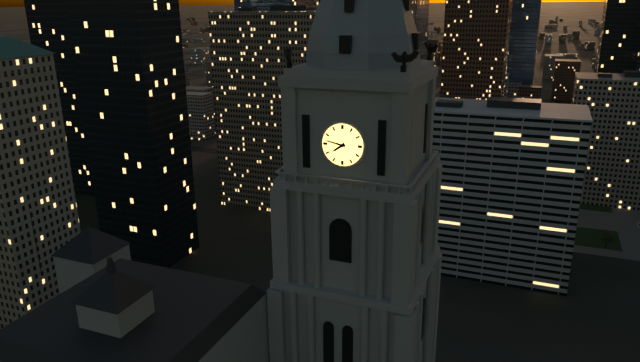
7h47
